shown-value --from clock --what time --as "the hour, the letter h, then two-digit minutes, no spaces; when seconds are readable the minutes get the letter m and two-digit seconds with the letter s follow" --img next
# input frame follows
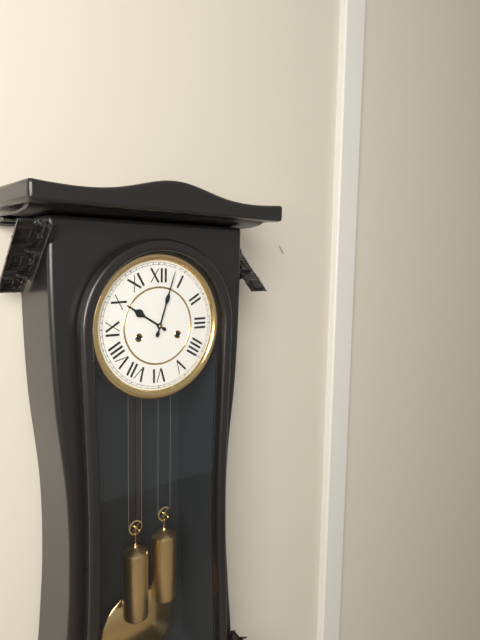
10h03
